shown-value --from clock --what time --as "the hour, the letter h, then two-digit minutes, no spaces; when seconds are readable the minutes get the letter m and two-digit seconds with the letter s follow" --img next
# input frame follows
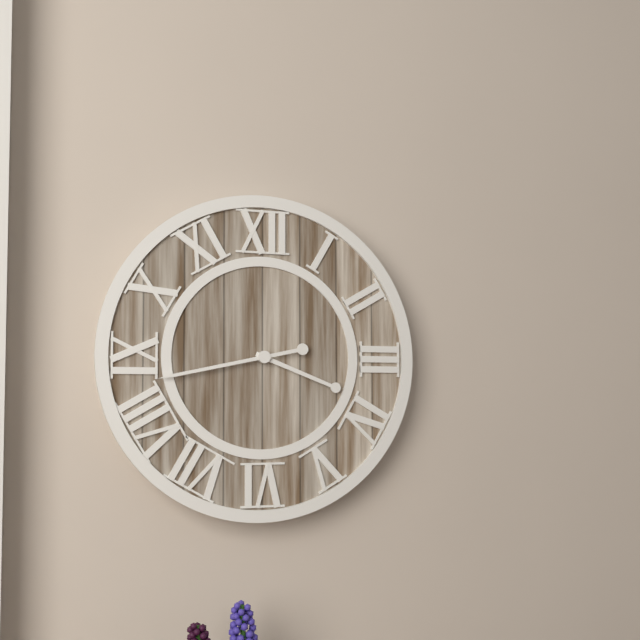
3h43
